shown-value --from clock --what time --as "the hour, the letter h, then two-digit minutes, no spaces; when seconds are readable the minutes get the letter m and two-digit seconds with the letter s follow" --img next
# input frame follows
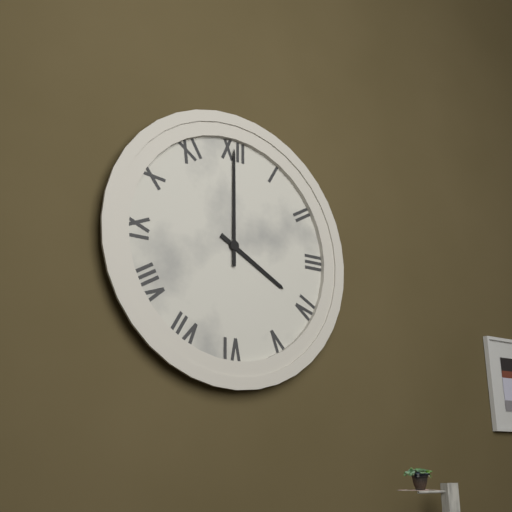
4h00
